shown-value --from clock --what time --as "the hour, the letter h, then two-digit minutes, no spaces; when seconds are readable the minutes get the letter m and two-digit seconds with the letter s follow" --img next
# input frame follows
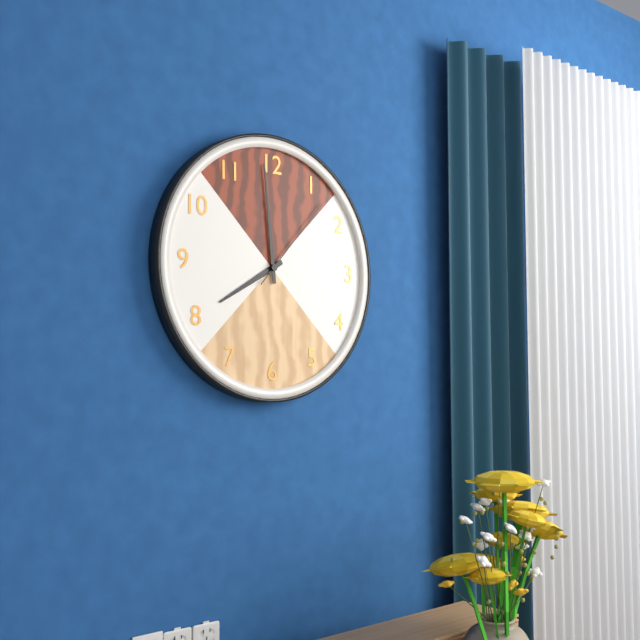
7h59m07s
